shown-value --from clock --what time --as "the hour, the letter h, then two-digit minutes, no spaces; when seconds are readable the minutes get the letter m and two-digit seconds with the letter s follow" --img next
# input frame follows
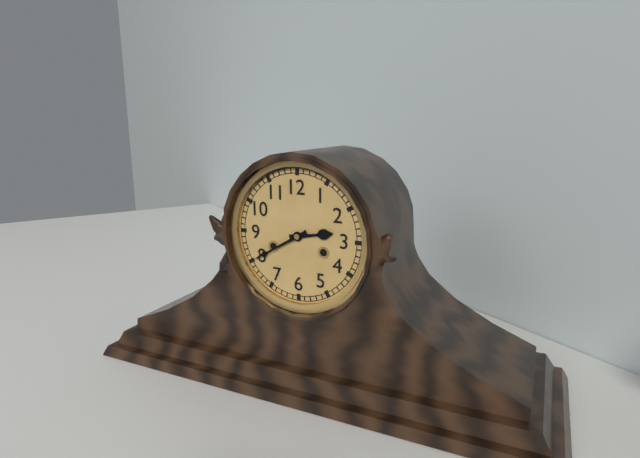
2h40
